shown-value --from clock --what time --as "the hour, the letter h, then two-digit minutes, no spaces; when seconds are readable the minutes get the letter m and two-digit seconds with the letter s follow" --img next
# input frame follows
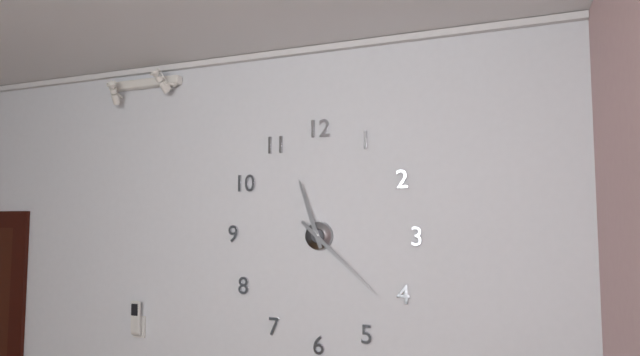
11h22
